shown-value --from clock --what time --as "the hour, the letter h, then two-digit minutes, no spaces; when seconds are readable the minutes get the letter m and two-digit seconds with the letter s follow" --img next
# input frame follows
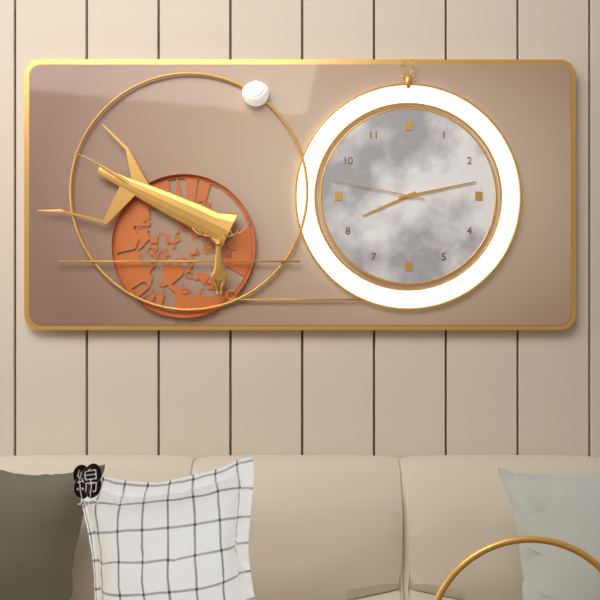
8h13m47s
